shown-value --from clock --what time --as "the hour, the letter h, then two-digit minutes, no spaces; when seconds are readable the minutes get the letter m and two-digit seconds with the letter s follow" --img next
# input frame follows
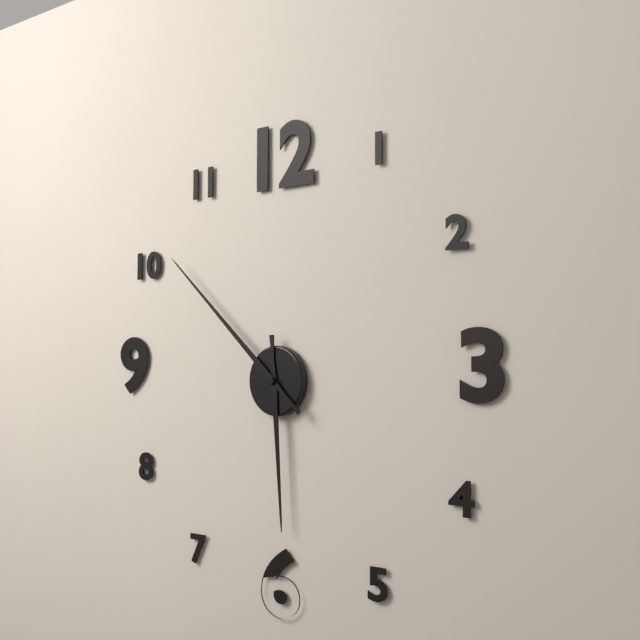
5h52
